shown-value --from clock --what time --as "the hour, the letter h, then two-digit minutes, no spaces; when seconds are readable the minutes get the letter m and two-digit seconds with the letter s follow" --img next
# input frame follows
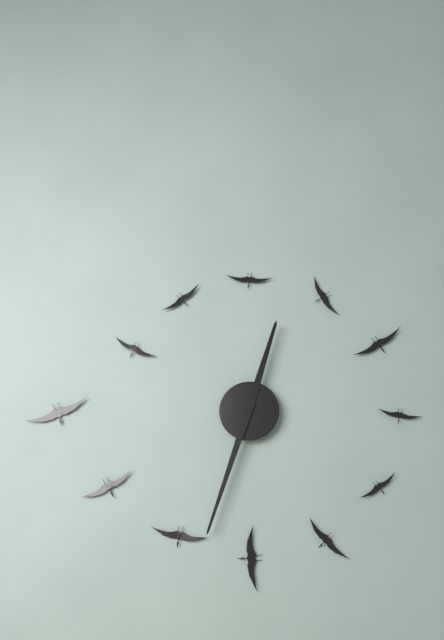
12h33
